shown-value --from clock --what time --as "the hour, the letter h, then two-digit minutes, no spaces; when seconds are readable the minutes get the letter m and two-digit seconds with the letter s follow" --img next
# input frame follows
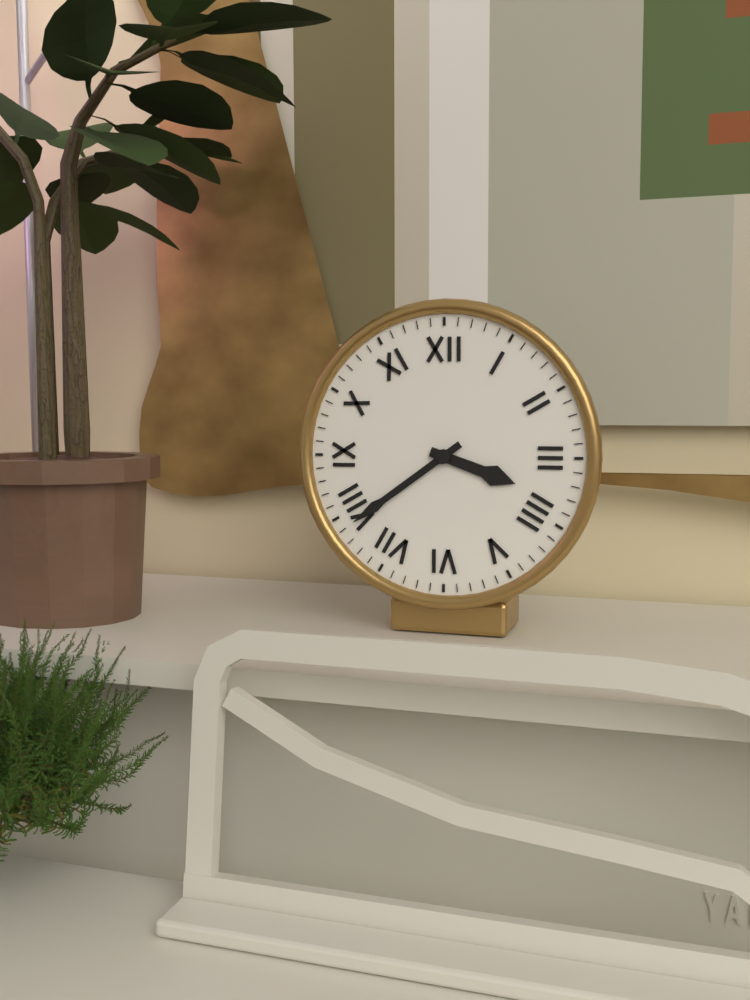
3h39
